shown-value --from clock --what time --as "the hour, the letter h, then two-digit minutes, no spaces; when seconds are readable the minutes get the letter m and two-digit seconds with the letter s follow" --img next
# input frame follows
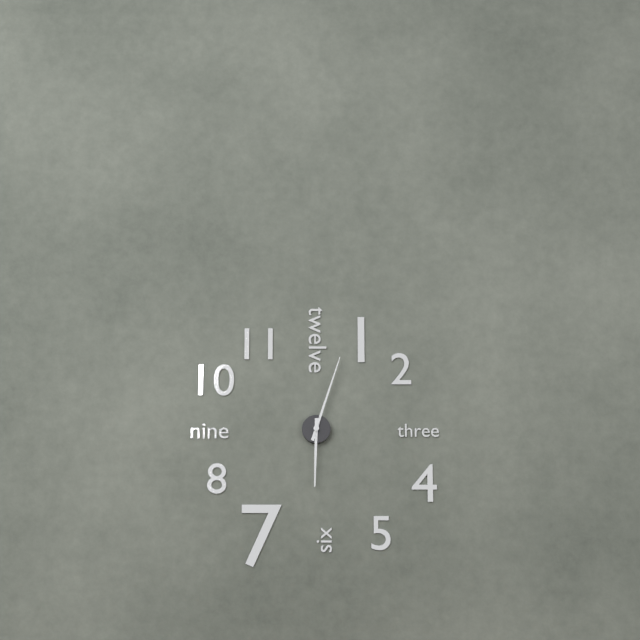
6h03
